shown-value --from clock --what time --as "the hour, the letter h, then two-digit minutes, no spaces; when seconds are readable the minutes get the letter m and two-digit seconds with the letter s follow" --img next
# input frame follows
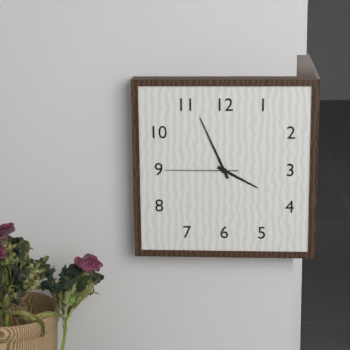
3h56m45s
